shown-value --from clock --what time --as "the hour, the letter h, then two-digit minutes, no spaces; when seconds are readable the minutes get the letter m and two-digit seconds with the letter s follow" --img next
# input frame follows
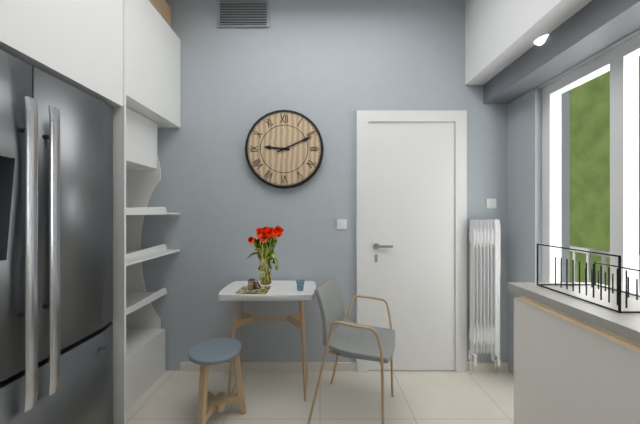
9h11
